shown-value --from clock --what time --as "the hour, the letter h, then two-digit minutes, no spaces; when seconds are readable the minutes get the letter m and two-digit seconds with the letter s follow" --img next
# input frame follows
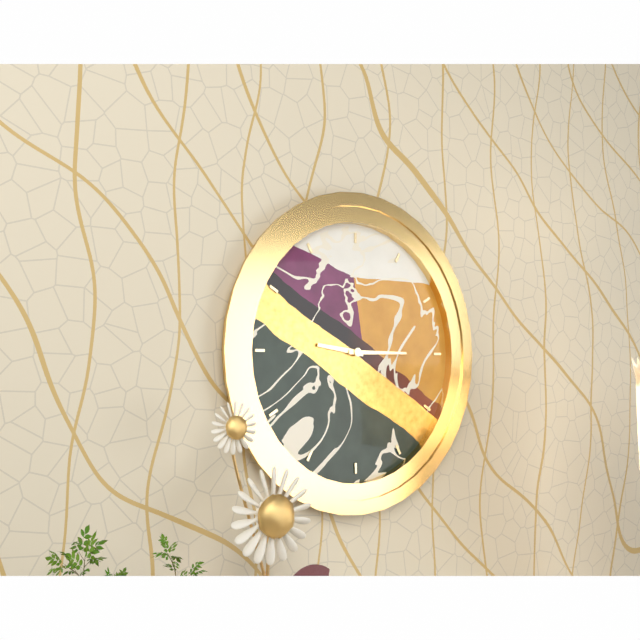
9h15
